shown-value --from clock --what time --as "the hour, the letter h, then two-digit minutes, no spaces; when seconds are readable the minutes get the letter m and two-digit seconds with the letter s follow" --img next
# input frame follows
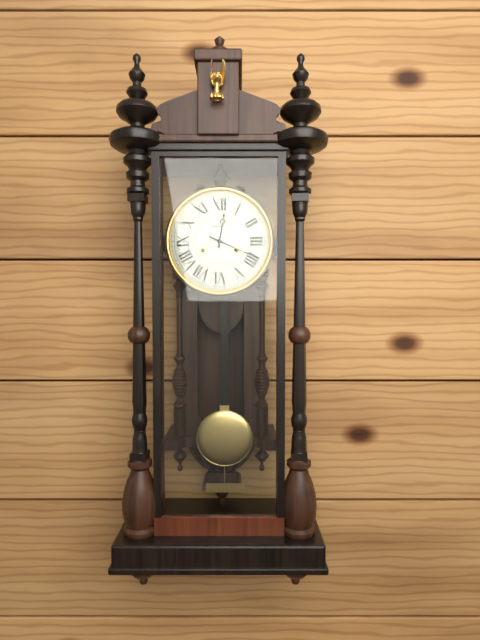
12h19
